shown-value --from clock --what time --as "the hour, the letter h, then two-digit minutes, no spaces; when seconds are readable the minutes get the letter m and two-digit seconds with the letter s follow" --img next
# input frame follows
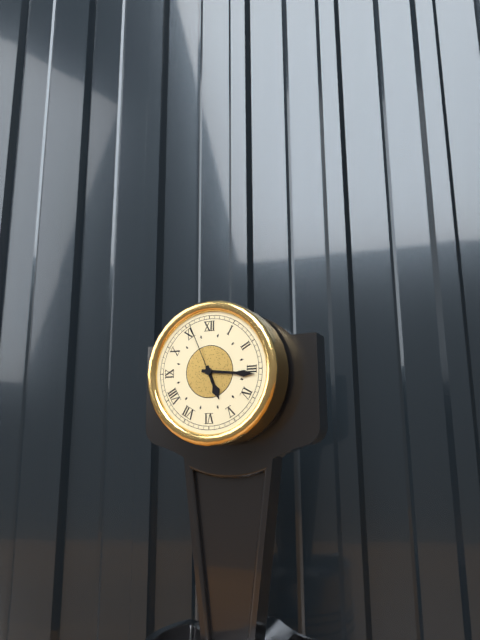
5h16m56s
